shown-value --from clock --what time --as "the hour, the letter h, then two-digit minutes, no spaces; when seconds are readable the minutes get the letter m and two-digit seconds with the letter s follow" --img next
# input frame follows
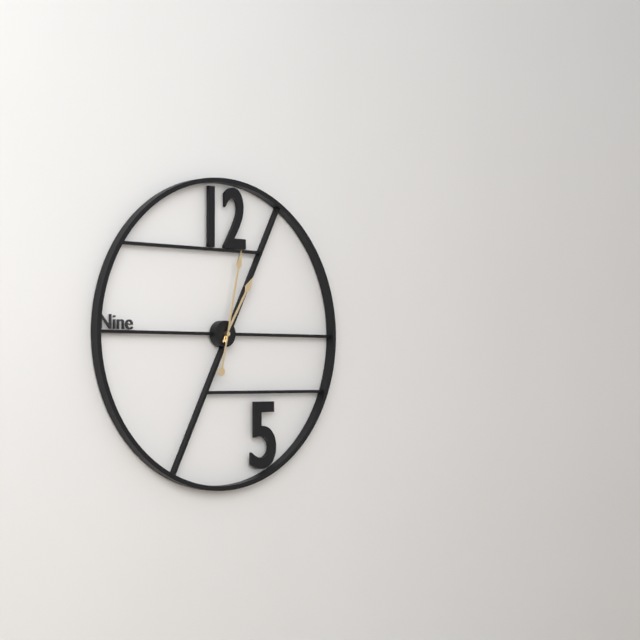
1h02
